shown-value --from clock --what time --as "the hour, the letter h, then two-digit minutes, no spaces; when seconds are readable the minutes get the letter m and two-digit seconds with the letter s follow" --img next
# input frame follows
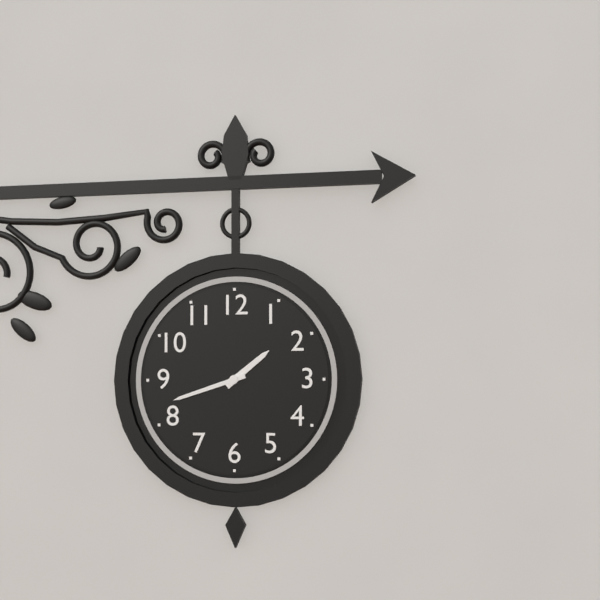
1h42
